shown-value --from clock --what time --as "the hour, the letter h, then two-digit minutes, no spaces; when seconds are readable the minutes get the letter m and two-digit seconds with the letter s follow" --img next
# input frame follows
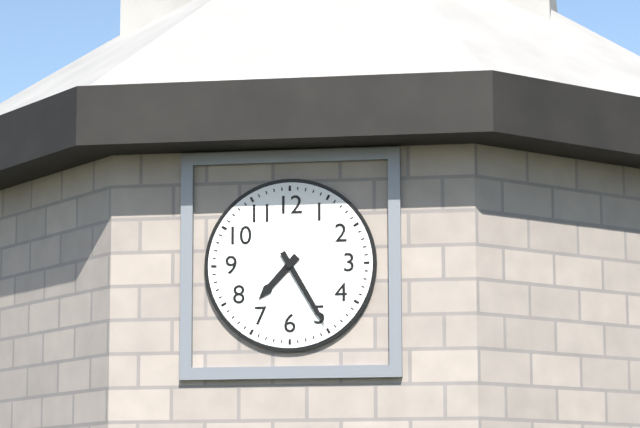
7h25
